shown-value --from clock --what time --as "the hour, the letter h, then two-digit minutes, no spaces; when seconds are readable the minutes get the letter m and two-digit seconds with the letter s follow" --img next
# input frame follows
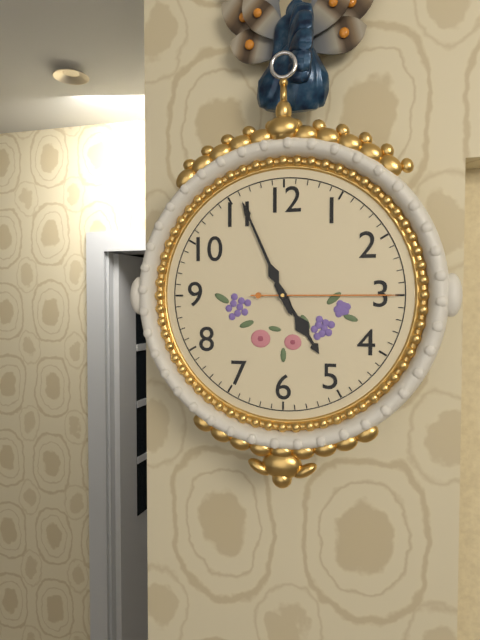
4h56m15s
